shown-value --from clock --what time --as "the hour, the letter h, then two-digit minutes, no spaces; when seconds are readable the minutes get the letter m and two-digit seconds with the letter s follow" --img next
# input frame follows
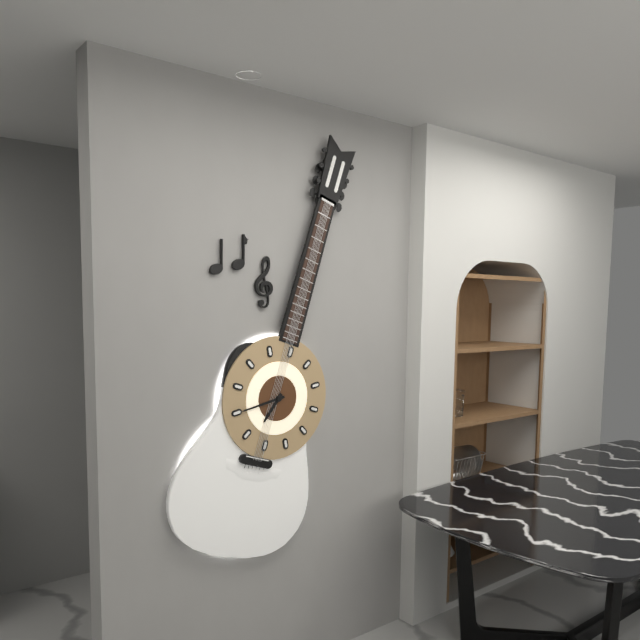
6h40
